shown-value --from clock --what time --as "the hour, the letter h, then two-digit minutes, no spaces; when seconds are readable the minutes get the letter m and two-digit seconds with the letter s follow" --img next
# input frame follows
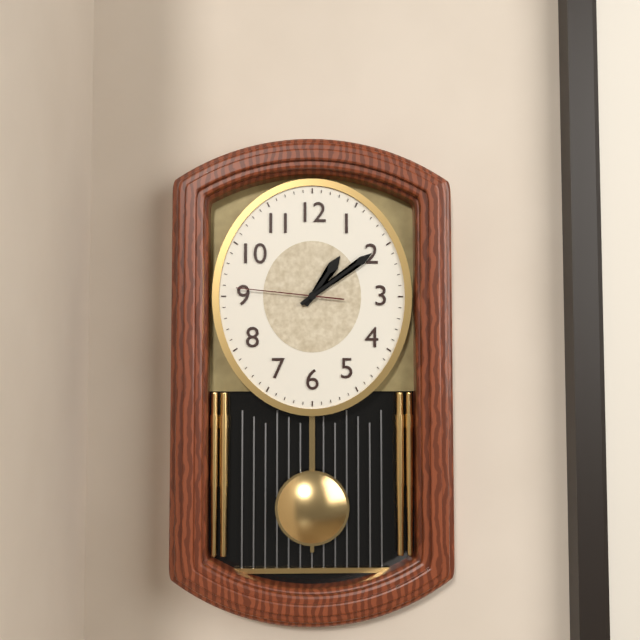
1h09m46s
